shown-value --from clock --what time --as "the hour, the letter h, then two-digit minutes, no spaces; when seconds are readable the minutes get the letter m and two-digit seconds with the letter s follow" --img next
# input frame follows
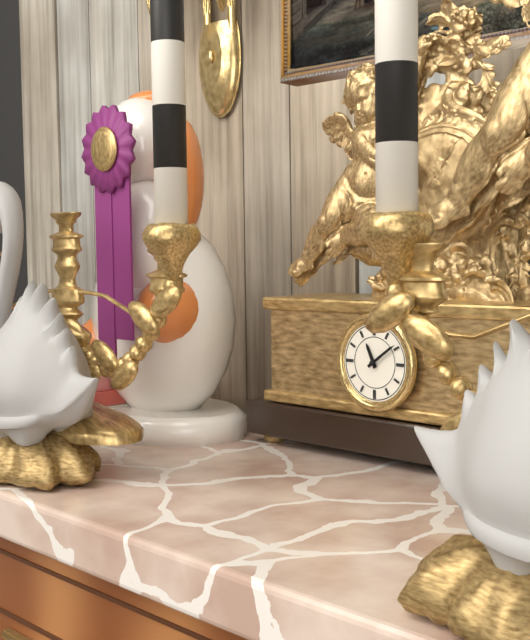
11h09
